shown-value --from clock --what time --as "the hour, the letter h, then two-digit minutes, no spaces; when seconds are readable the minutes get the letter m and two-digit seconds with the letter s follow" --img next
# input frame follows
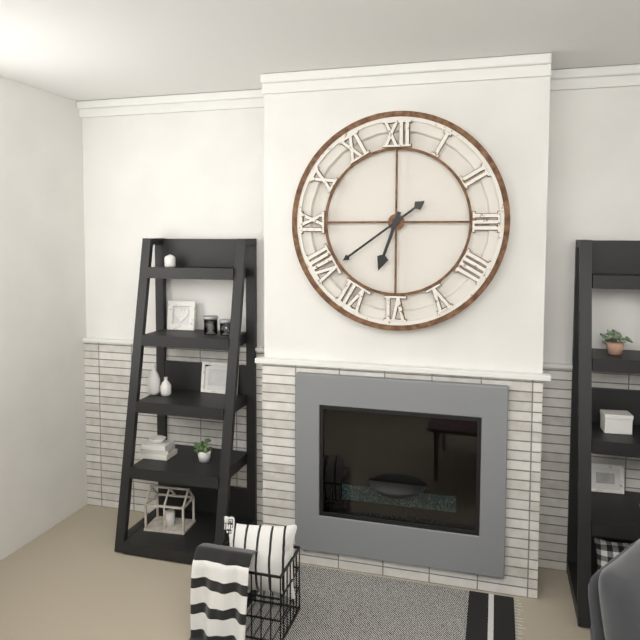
6h39
